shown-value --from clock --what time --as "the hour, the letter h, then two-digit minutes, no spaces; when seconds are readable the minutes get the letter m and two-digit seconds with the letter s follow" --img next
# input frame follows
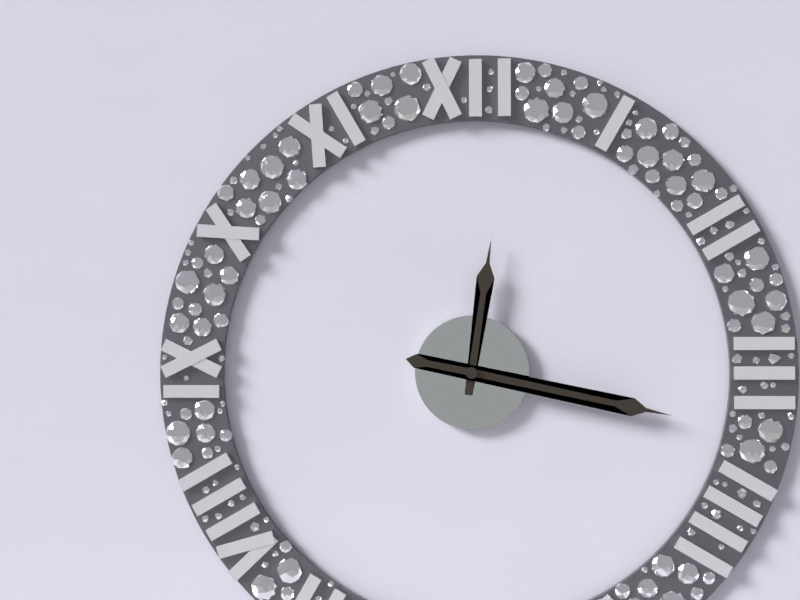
12h17
